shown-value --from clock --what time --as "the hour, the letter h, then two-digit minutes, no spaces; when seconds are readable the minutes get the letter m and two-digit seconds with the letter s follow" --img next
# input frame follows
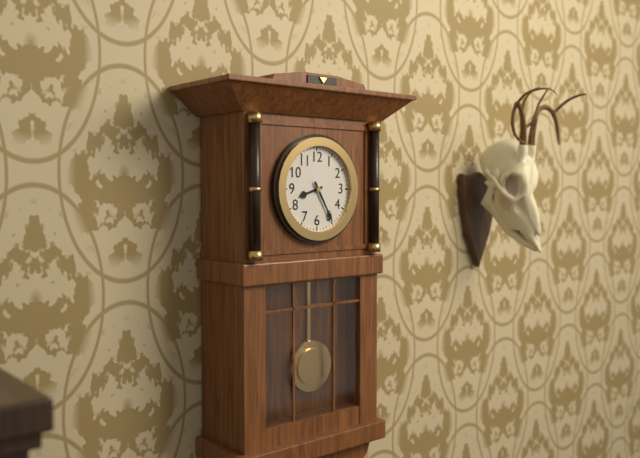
8h25
